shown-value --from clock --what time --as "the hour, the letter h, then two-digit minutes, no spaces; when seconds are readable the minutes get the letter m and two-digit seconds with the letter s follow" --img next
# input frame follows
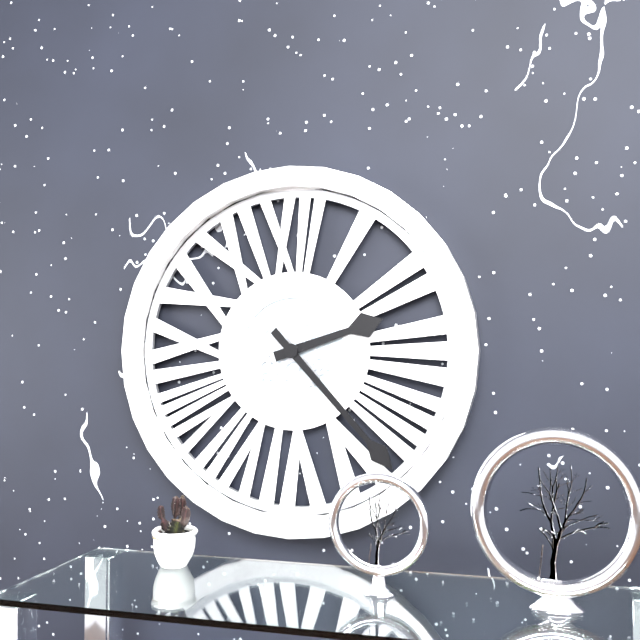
2h23
